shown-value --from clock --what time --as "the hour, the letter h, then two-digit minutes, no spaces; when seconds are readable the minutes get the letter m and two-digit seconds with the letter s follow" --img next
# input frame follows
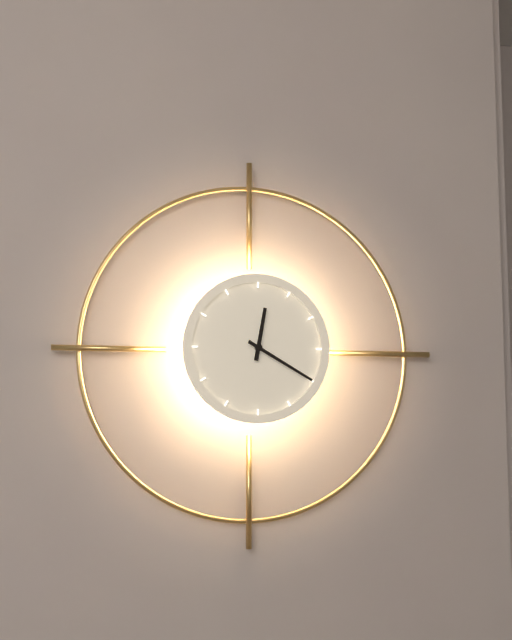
12h20
